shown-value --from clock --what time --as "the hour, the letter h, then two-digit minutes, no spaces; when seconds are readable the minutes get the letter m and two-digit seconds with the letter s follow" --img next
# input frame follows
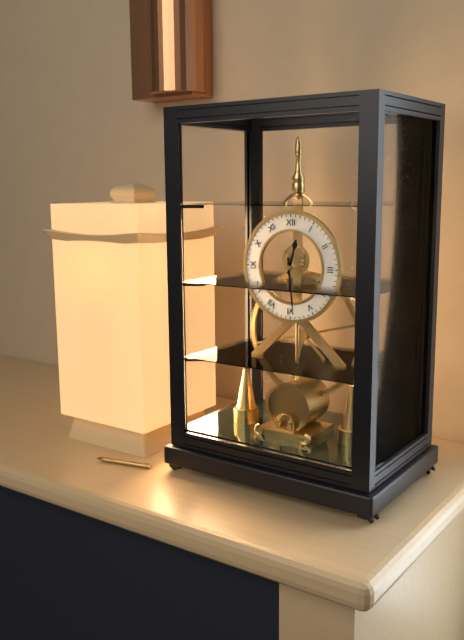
12h29
